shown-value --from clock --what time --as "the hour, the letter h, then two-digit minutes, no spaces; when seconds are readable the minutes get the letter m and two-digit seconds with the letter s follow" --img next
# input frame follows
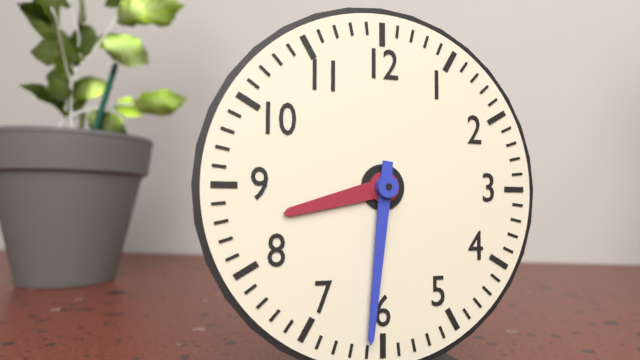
8h31
